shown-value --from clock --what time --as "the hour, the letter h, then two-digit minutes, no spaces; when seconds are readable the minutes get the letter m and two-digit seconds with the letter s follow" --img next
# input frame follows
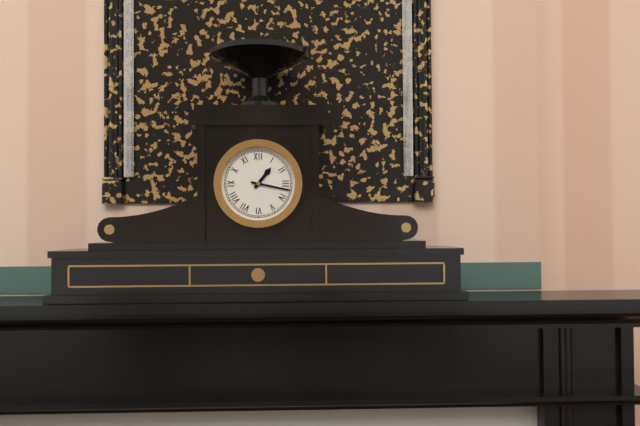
1h17
